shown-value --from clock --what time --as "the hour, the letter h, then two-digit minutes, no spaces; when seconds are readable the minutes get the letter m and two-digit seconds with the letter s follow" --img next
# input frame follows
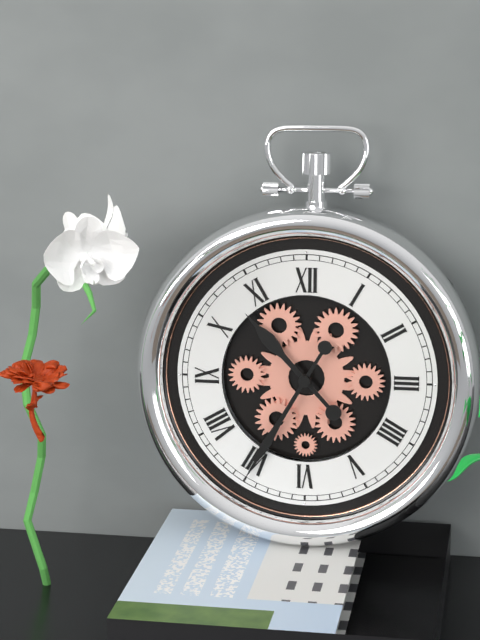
10h35
